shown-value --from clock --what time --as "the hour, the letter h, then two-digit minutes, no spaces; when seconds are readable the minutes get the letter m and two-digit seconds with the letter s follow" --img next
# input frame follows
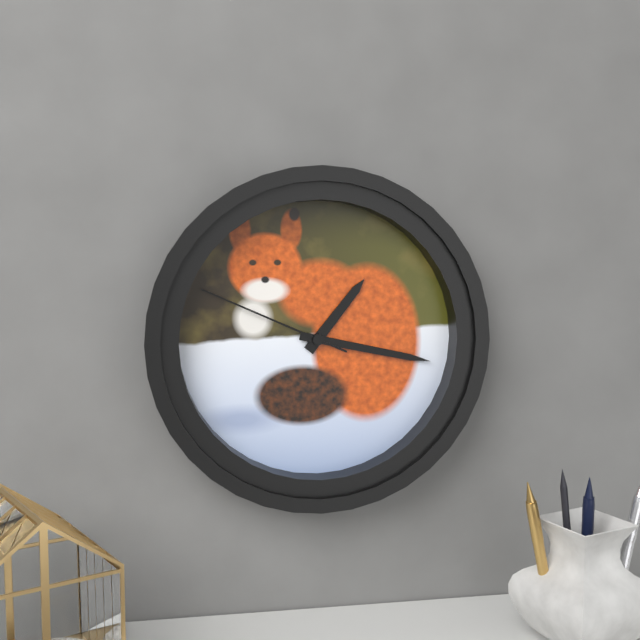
1h17m49s
